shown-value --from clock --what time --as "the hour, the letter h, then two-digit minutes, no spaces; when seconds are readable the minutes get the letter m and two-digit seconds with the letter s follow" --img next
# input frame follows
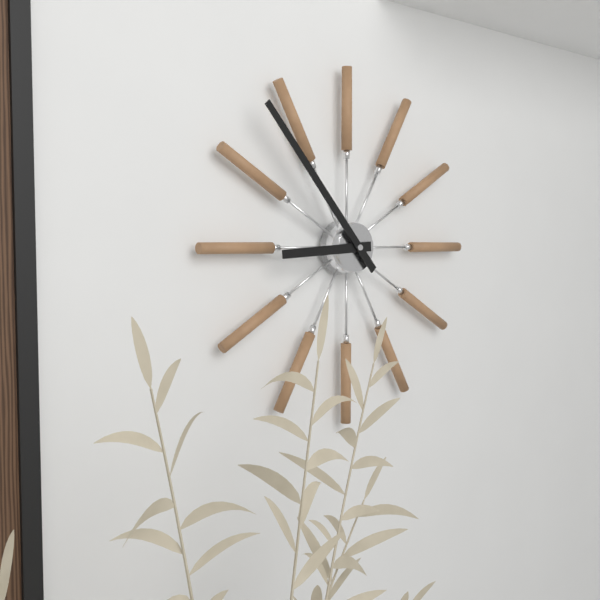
8h53
